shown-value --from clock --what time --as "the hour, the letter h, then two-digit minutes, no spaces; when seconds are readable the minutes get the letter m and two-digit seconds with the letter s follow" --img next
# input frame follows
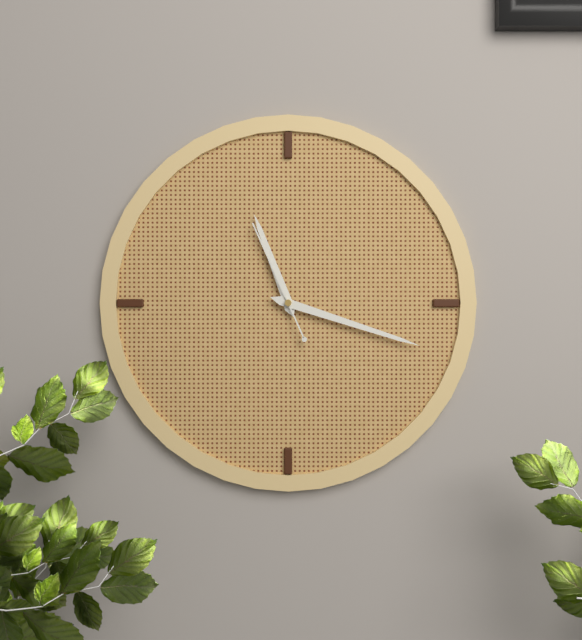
11h18m56s
